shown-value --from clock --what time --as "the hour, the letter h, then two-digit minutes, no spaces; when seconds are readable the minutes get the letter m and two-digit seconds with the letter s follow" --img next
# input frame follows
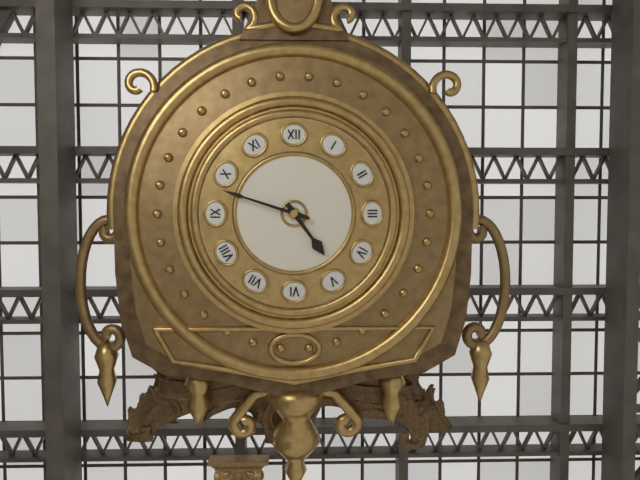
4h48
